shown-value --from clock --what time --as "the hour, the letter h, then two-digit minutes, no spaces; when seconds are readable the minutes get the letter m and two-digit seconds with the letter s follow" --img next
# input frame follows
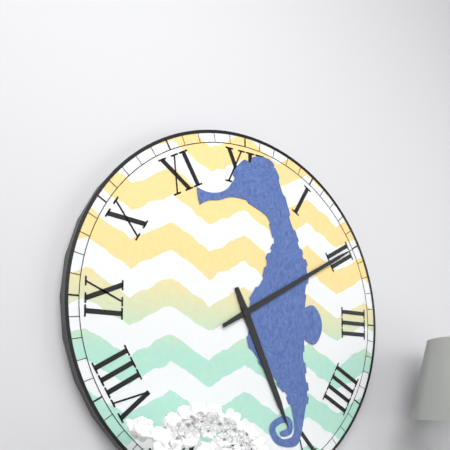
5h10
